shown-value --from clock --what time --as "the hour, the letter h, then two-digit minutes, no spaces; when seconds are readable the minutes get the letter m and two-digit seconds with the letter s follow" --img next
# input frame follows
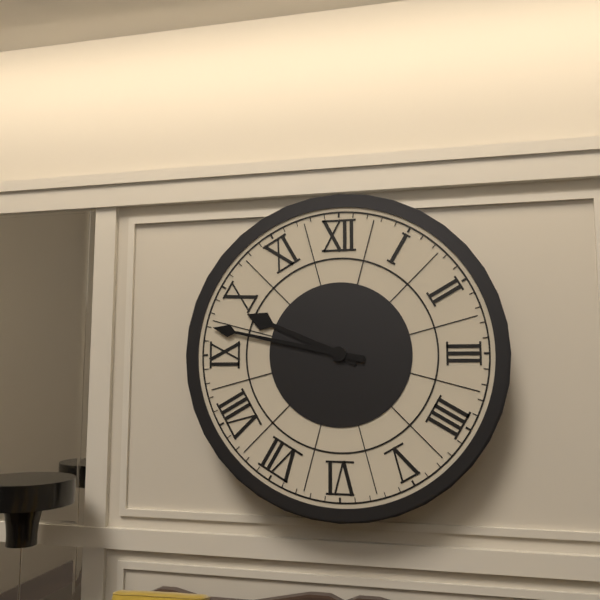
9h47
